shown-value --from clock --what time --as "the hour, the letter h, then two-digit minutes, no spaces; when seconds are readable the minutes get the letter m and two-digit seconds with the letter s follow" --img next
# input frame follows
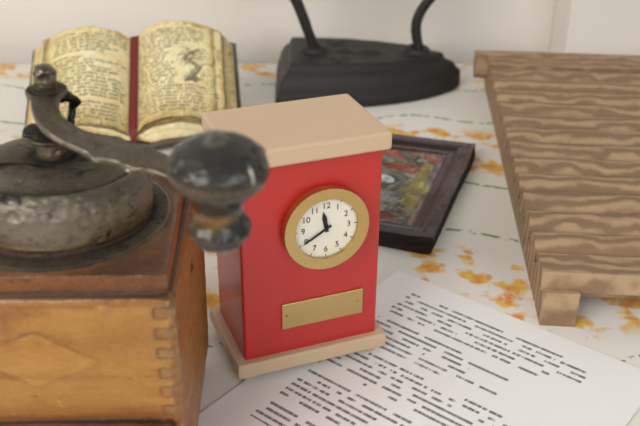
11h40
